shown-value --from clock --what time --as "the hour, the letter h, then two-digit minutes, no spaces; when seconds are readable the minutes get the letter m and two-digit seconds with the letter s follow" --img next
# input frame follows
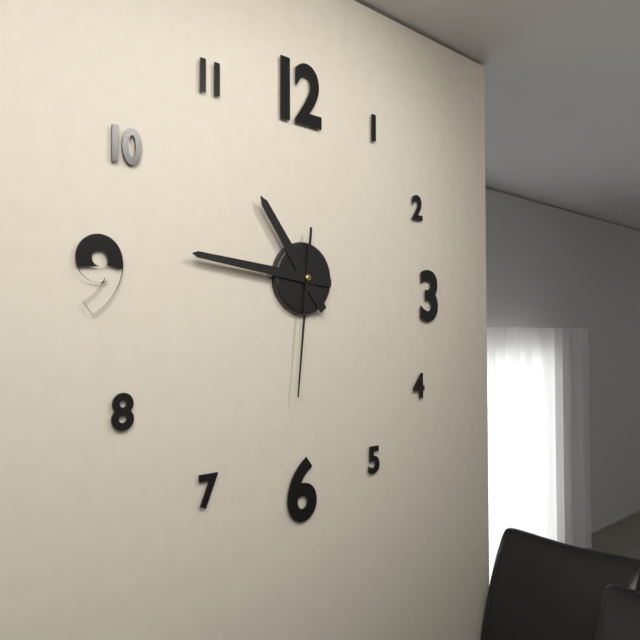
10h46m31s
